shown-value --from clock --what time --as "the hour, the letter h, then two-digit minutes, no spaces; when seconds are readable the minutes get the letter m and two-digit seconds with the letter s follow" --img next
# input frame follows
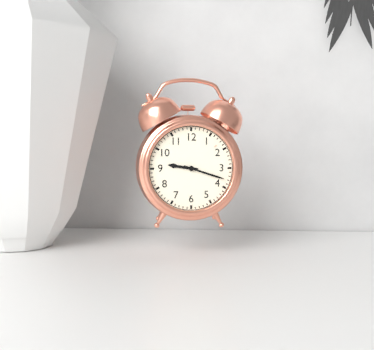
9h18
